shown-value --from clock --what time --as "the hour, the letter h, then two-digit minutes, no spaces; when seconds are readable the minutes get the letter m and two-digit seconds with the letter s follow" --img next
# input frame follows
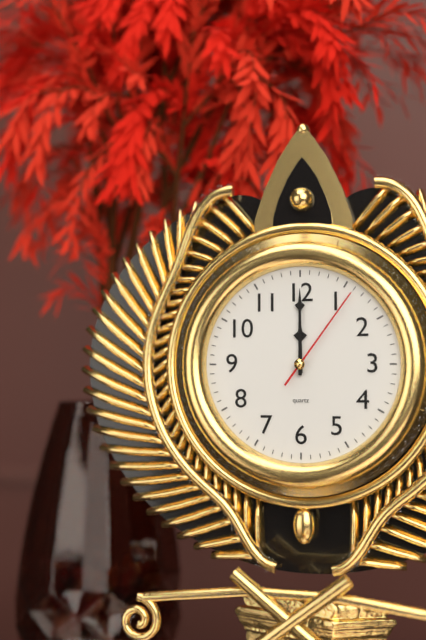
12h00m06s
